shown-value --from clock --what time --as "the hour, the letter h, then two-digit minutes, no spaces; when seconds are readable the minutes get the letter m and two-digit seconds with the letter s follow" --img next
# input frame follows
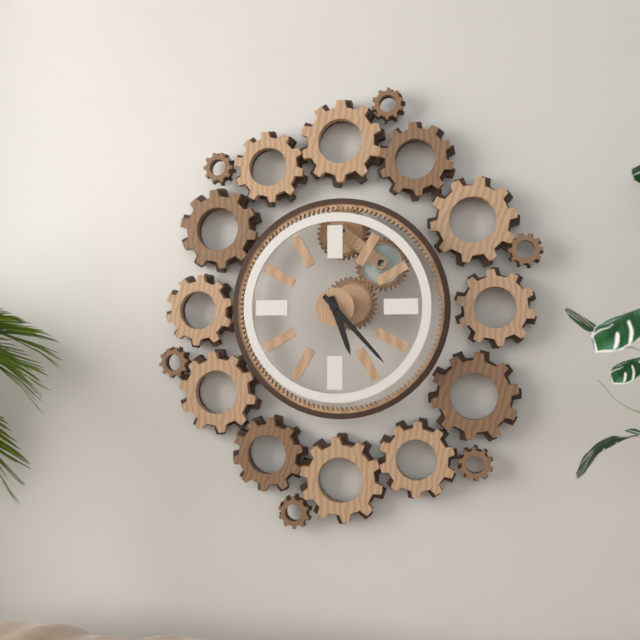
5h23
